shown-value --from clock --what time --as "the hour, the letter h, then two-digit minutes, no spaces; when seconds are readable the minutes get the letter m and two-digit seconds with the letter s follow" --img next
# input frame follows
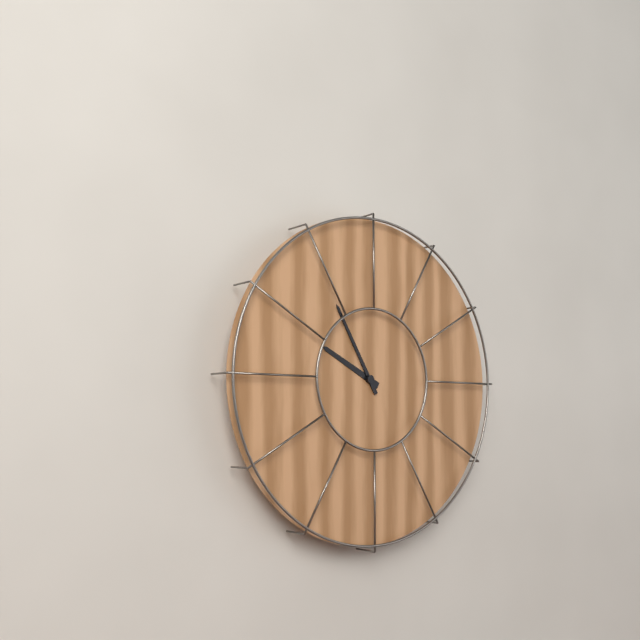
9h55
